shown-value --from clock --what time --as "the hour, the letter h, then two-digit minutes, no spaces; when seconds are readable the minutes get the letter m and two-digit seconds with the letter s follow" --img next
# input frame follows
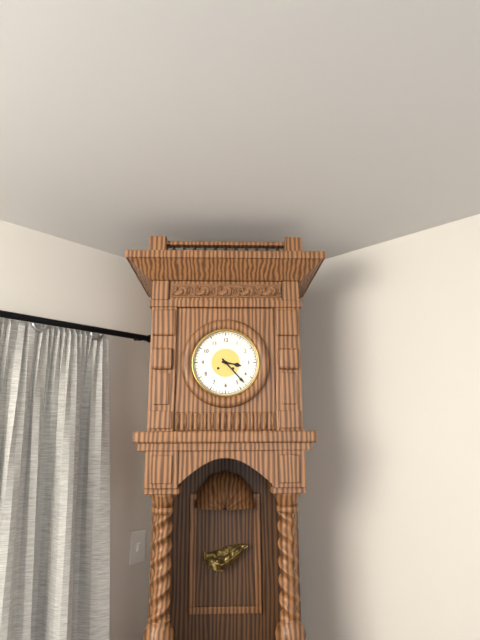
3h23
